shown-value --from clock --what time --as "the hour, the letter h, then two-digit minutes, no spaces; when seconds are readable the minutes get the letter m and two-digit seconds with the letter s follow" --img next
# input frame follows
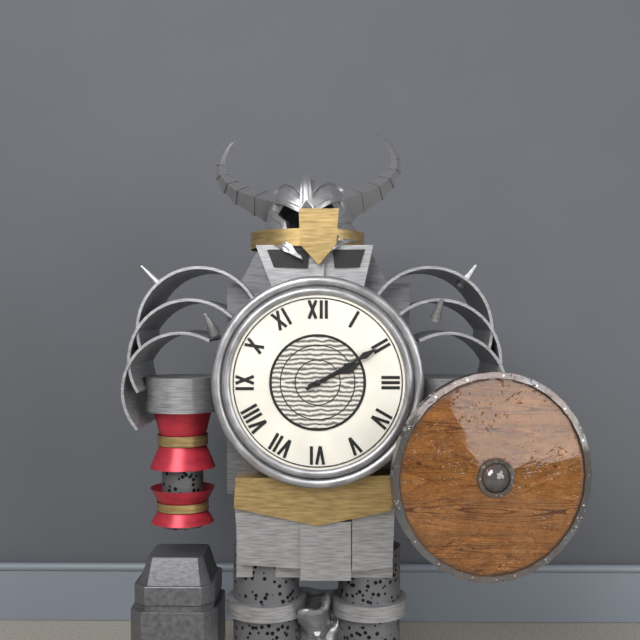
2h10
